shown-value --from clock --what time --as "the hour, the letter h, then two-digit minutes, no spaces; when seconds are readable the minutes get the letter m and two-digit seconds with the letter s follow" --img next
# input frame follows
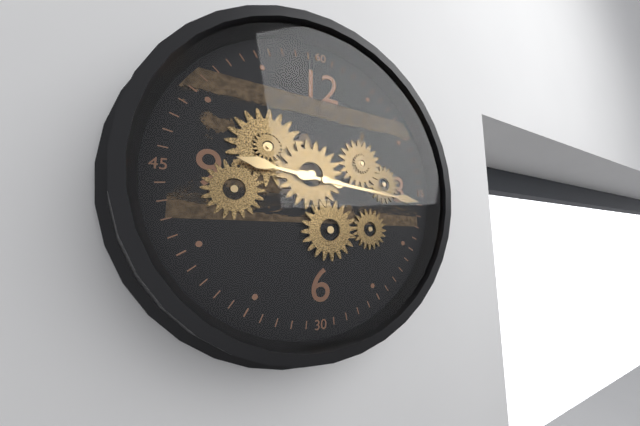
9h16
